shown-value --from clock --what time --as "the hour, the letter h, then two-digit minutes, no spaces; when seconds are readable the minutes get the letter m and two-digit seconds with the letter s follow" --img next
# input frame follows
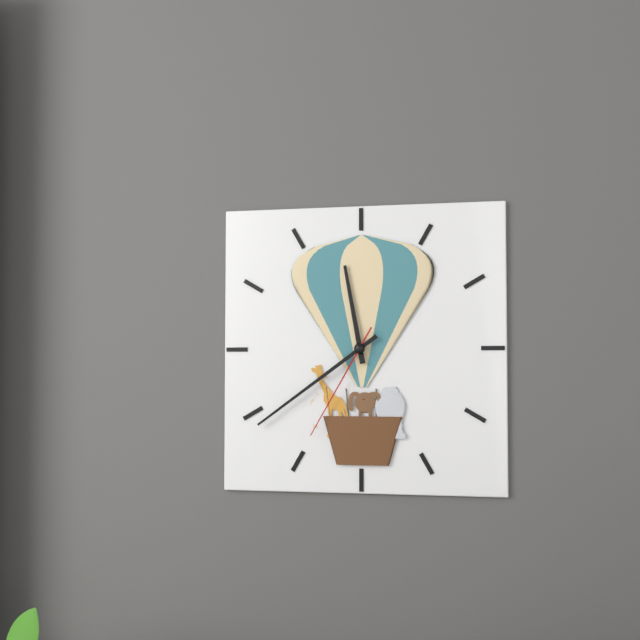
11h39m35s
